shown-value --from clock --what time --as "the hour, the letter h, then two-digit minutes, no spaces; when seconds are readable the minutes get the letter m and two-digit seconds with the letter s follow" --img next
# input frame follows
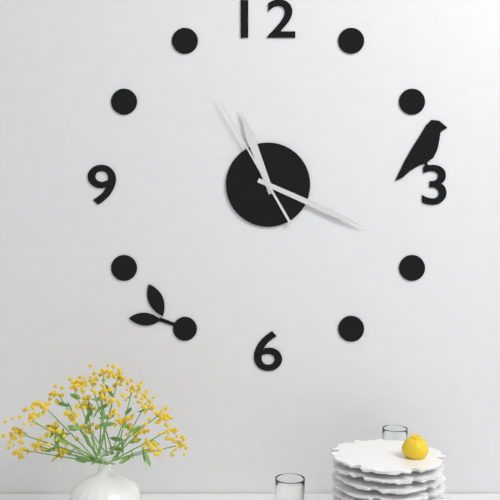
11h19m55s
